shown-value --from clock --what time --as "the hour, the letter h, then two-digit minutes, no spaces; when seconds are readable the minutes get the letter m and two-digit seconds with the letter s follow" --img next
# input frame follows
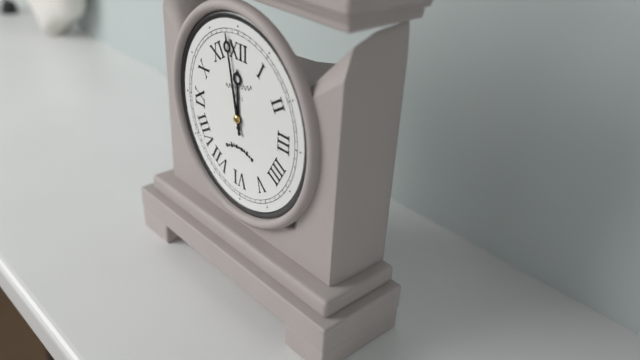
11h58
